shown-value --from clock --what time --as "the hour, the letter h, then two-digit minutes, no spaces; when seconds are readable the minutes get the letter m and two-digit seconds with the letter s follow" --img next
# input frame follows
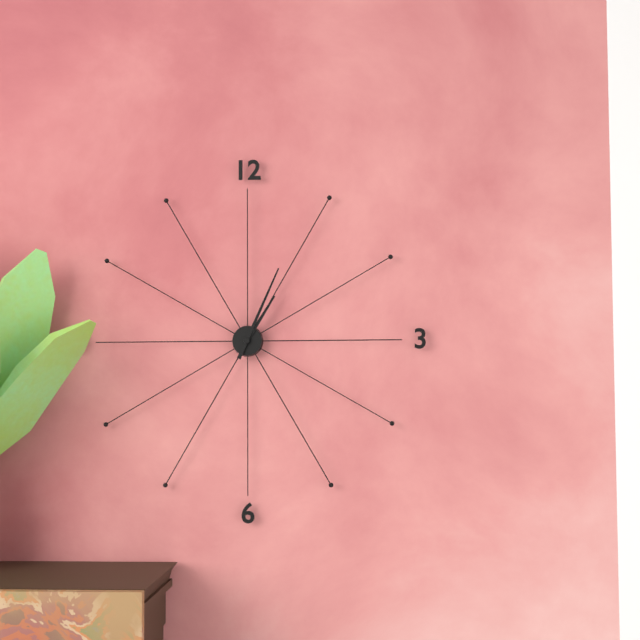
1h04
